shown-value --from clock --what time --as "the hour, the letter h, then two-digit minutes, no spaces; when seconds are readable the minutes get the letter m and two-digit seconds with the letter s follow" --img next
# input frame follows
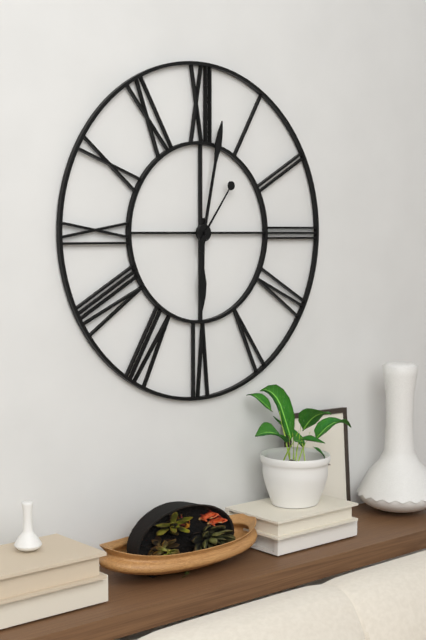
6h02m06s
